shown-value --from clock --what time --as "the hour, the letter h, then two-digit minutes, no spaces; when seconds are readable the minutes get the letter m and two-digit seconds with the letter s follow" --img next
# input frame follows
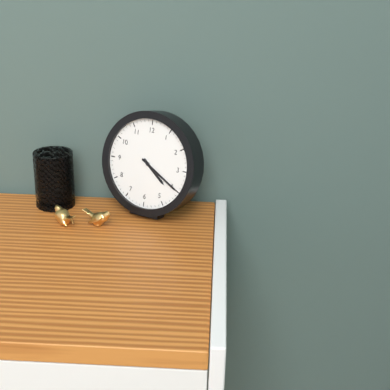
4h20
